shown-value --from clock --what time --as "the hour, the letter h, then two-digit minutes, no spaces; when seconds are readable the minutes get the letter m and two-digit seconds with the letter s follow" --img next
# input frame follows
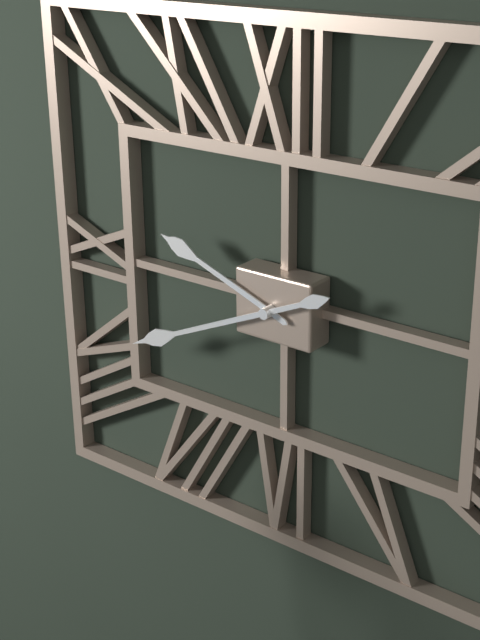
9h41
